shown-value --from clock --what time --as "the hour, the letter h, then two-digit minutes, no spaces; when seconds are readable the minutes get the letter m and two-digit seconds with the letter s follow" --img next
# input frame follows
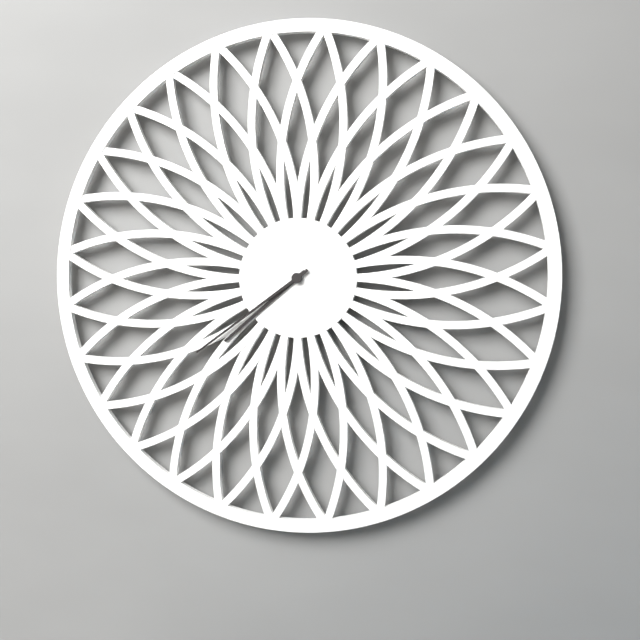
7h39
